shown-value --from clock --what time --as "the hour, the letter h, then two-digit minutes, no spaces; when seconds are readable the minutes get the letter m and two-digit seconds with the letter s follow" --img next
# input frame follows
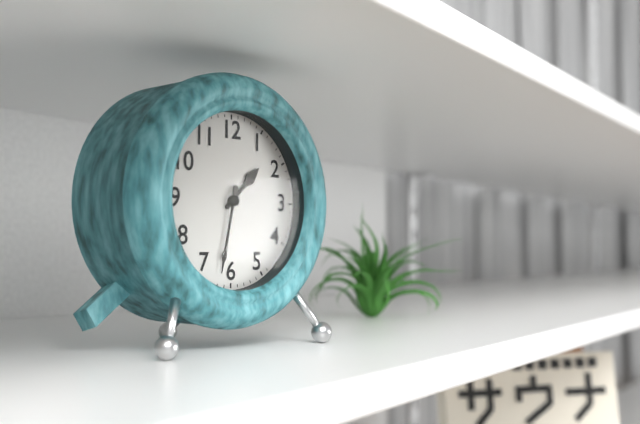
1h32
